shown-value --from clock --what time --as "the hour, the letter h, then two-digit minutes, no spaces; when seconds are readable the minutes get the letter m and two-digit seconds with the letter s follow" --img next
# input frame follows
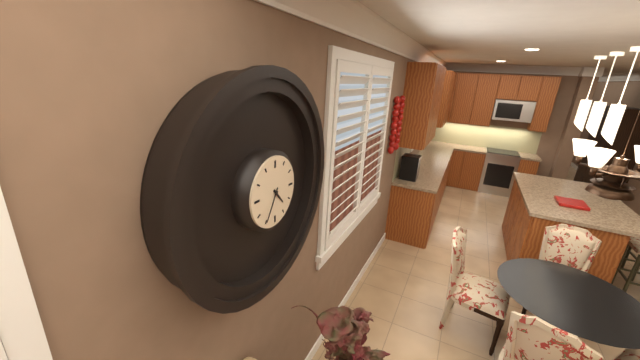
4h35
